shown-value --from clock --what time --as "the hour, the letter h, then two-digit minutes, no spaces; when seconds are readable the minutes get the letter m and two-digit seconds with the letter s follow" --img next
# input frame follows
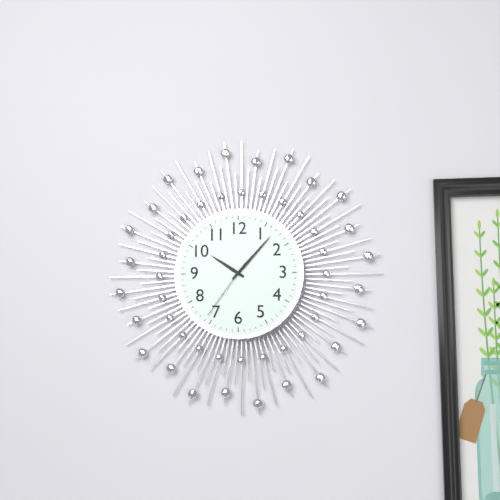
10h07m36s
